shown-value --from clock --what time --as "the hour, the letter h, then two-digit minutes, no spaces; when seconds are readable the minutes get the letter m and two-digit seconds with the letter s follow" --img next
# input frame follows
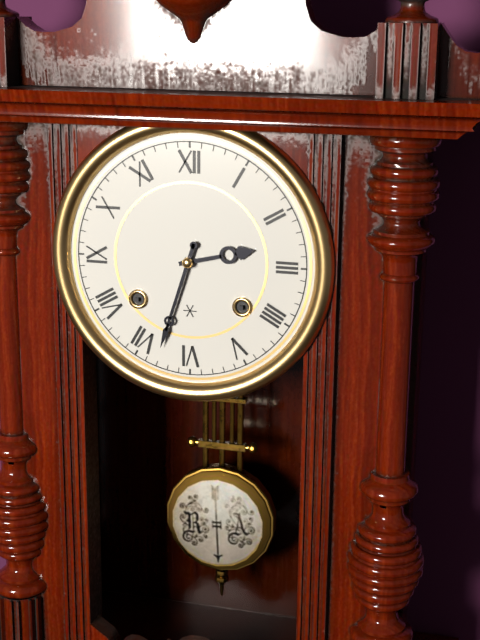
2h33
